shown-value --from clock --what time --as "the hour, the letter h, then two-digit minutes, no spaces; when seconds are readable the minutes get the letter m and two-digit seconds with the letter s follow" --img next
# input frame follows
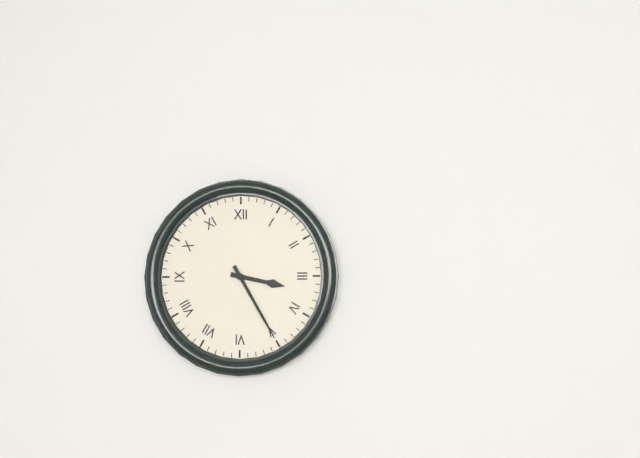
3h25
